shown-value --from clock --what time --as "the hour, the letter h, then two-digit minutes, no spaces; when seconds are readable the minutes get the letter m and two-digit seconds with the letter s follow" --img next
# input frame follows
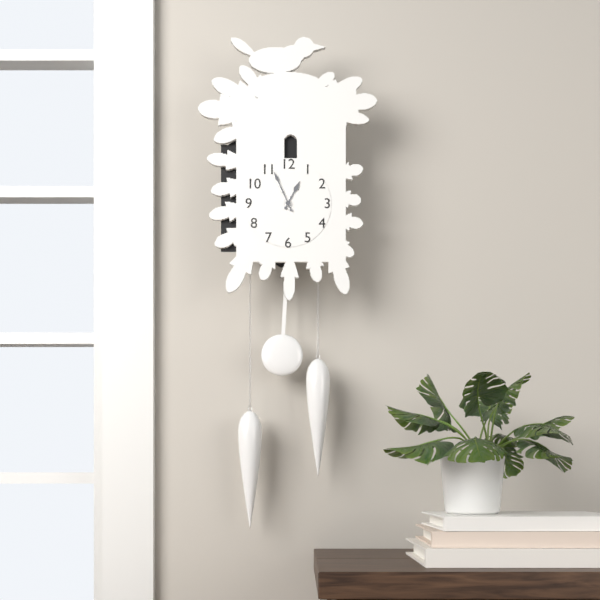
12h56
